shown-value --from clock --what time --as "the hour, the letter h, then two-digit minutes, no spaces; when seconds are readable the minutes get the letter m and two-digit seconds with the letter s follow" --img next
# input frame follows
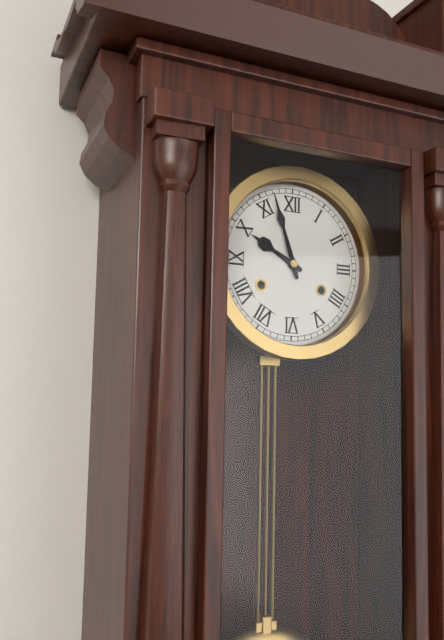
9h57
